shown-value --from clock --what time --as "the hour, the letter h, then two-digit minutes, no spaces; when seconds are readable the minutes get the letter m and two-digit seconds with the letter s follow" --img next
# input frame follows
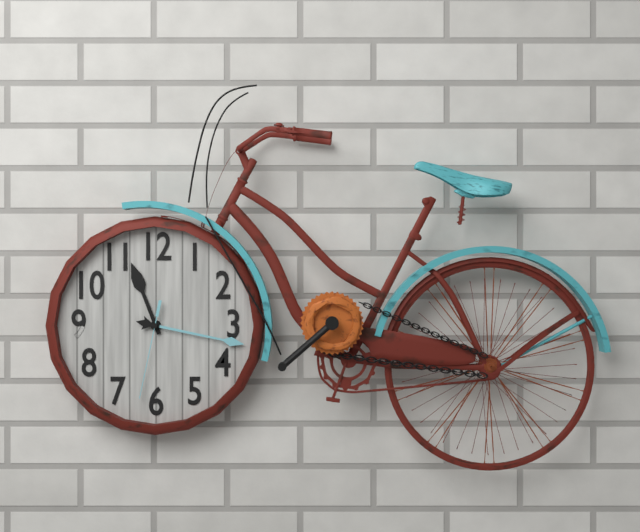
11h17m32s
